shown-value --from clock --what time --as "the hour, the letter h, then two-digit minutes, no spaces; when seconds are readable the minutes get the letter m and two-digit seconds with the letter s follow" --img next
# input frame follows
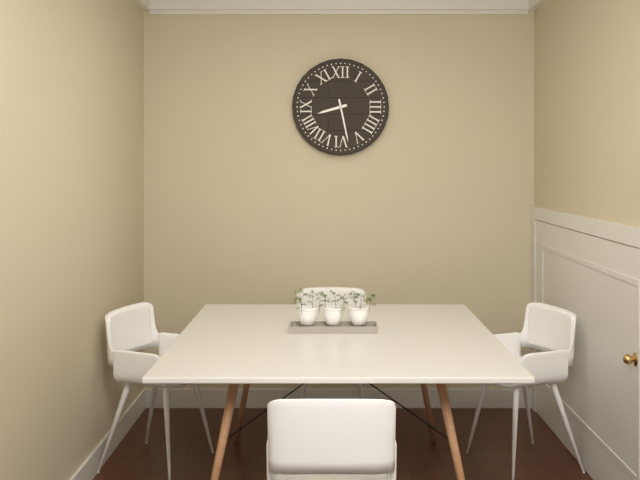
8h28
